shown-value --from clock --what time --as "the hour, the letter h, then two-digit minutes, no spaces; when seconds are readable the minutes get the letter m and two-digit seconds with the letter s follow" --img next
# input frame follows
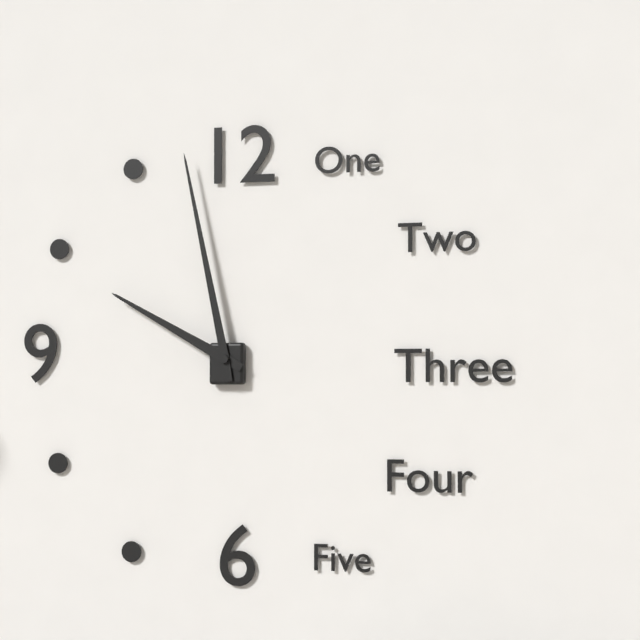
9h58
